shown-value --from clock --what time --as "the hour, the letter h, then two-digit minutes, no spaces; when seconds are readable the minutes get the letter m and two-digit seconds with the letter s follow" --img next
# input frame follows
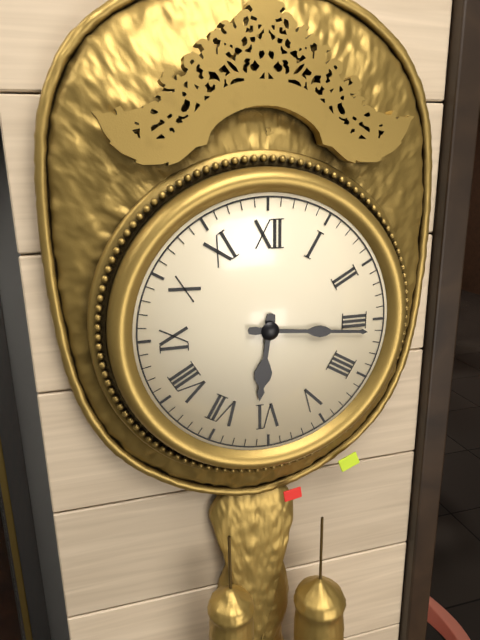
6h16
